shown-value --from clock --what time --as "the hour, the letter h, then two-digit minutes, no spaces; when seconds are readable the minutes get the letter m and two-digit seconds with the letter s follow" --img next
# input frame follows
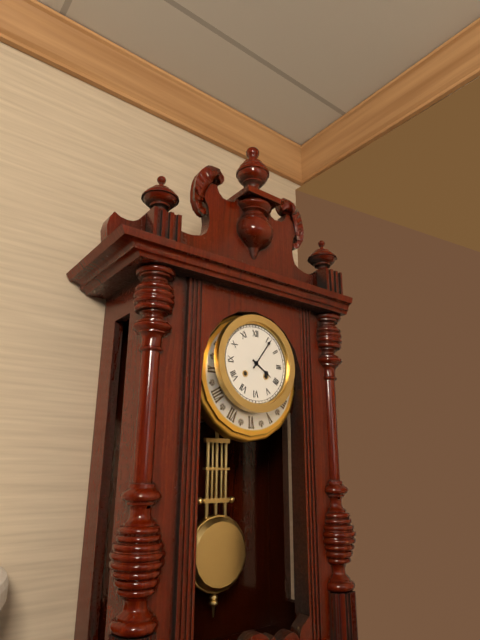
4h06
